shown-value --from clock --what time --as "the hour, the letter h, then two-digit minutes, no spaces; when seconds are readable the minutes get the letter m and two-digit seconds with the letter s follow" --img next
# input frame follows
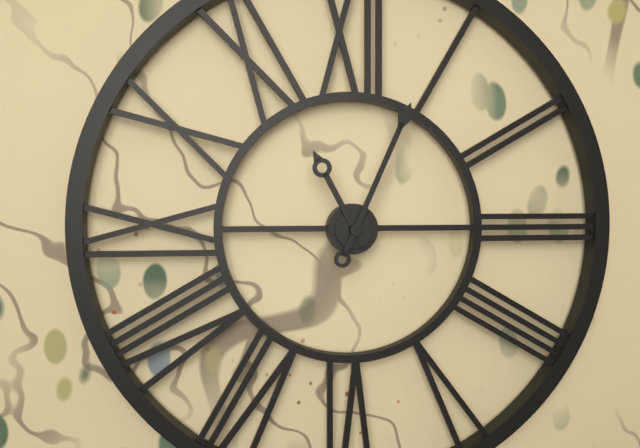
11h04
